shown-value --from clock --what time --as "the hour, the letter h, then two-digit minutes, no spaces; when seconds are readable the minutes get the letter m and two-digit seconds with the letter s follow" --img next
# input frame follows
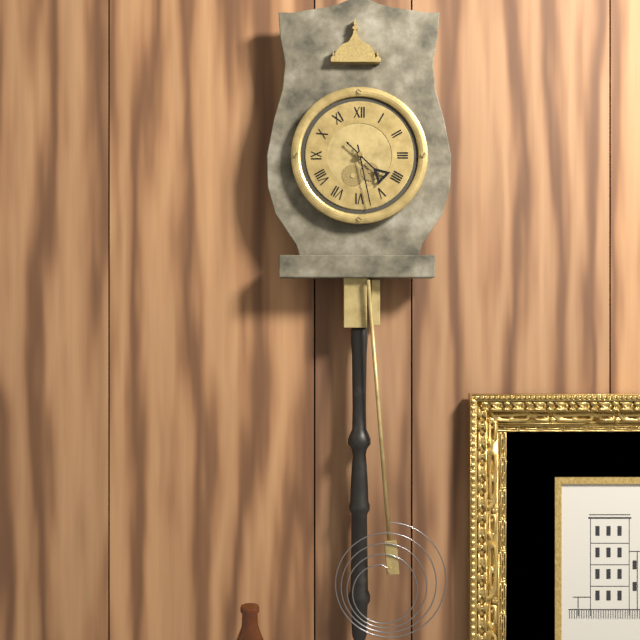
4h28
